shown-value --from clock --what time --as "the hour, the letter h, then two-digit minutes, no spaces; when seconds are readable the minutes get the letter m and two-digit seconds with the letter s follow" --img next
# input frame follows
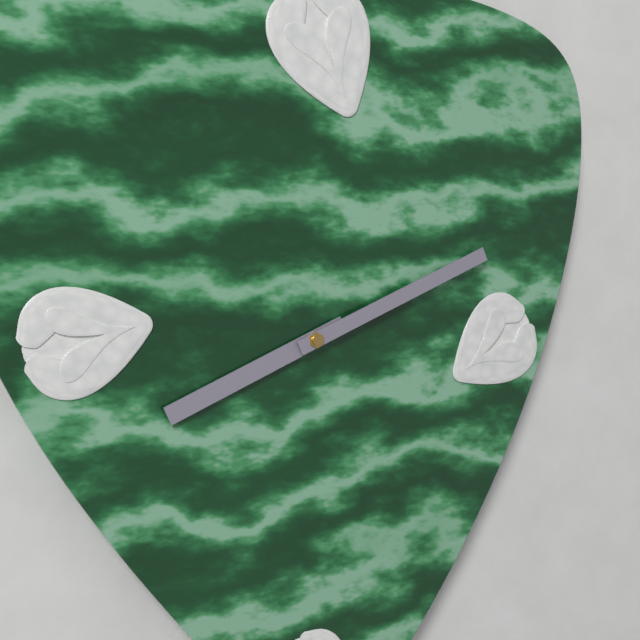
8h11
